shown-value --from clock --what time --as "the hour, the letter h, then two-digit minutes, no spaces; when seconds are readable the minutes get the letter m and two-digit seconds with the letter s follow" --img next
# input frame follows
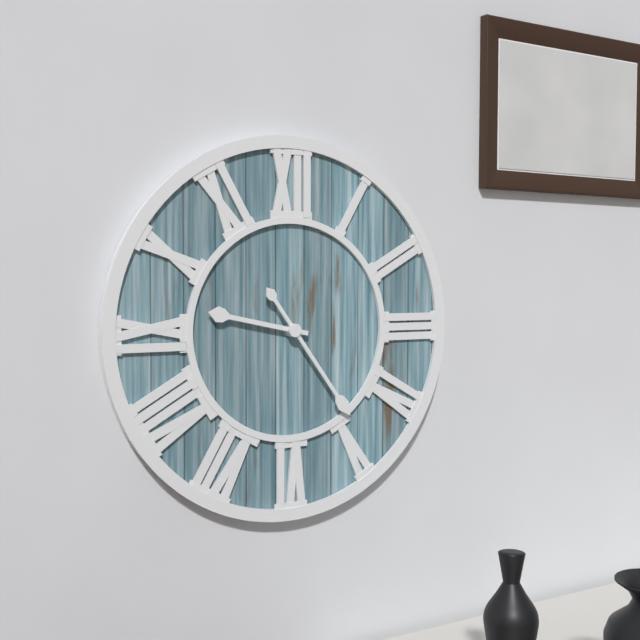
9h24
